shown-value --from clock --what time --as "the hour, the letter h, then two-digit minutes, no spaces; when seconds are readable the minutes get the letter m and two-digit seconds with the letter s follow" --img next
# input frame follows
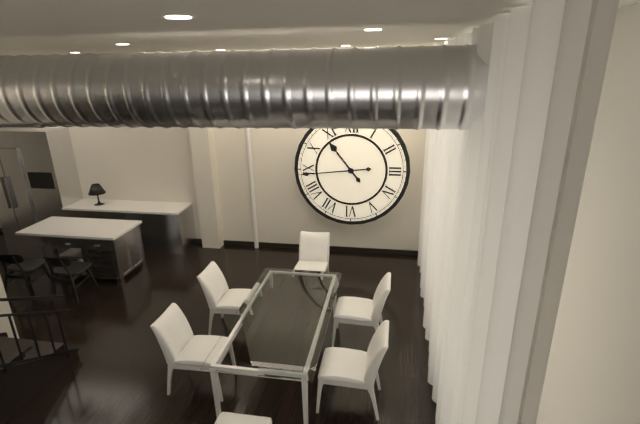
10h44
